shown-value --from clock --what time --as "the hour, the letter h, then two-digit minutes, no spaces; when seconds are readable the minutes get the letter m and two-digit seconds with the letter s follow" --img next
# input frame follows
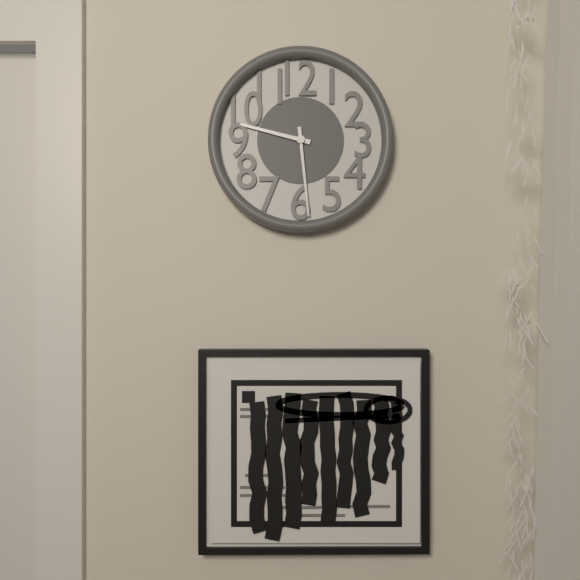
9h29
